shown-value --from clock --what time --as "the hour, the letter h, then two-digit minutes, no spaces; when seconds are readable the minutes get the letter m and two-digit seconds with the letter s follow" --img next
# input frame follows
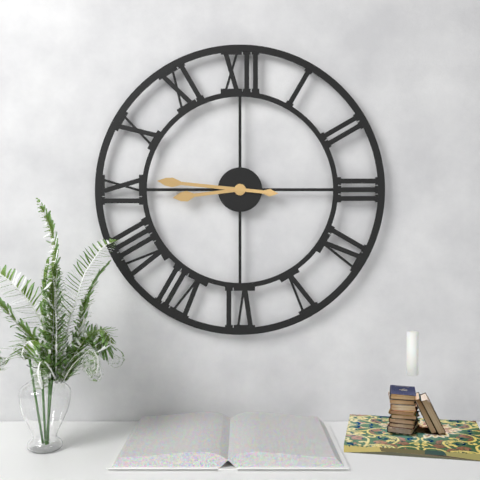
8h46
